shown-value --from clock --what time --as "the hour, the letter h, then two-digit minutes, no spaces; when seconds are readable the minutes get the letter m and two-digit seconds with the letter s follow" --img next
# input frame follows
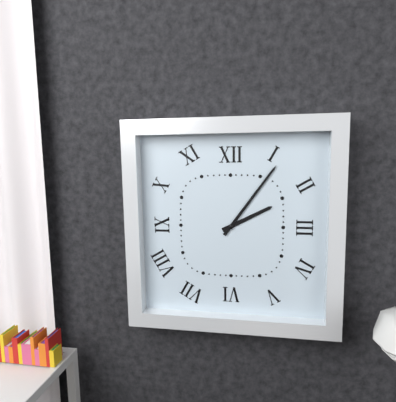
2h06
